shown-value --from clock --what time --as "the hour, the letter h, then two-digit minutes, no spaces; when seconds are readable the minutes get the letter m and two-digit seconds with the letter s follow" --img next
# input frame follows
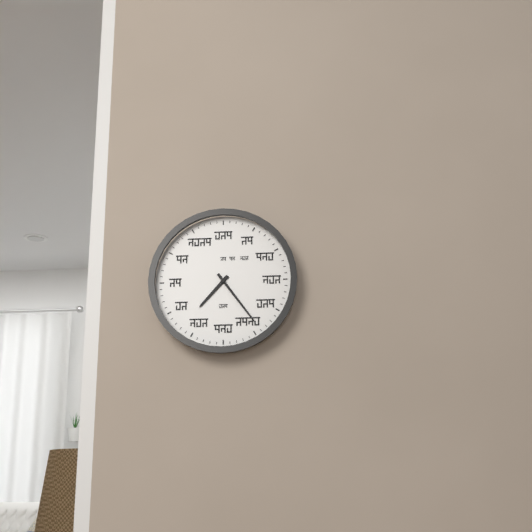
7h24
